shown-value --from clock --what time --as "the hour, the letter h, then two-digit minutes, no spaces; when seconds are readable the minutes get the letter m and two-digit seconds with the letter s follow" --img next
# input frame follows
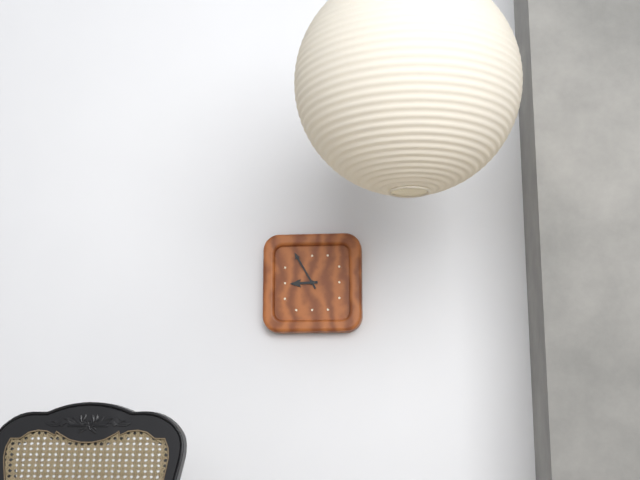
8h55
